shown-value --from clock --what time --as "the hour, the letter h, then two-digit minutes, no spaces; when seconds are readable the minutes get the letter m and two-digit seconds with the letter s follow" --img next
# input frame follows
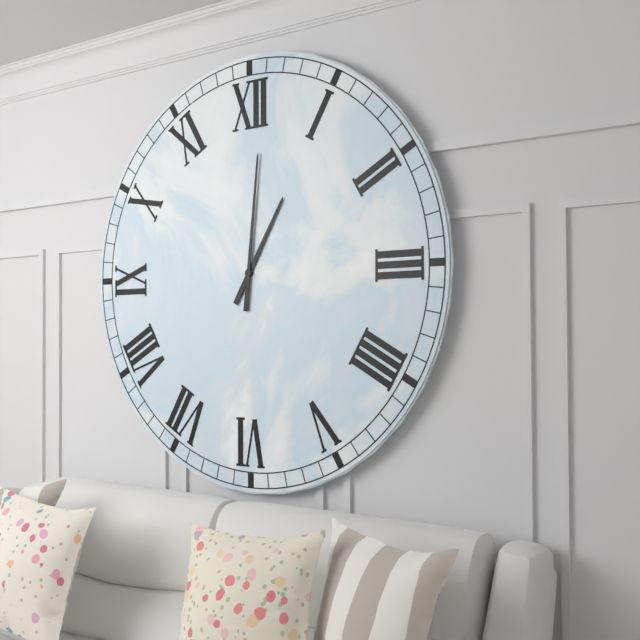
1h01
